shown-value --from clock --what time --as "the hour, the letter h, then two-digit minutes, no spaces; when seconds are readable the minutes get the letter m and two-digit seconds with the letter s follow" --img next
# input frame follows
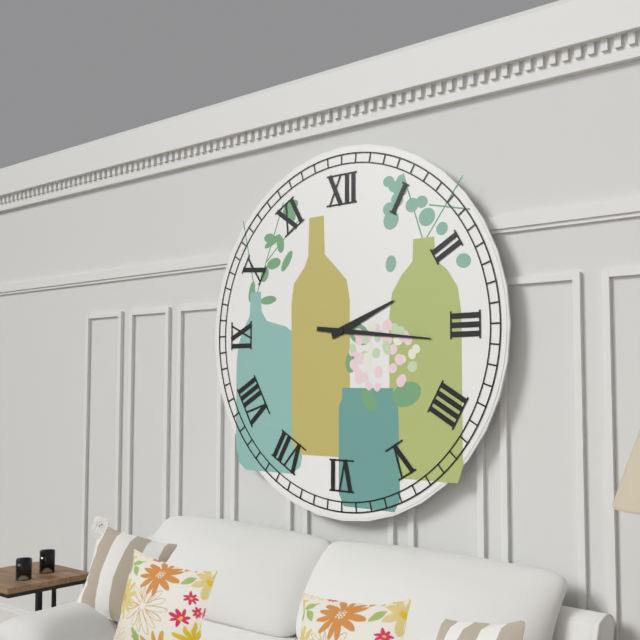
2h16
